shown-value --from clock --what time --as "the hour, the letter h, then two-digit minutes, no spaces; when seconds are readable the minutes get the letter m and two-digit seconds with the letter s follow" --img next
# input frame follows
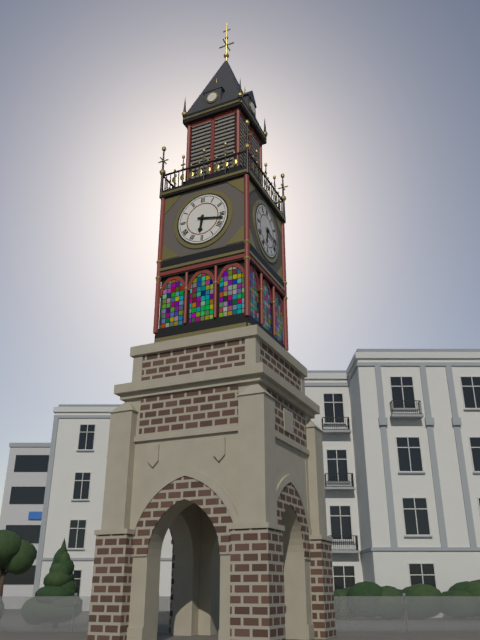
6h17
